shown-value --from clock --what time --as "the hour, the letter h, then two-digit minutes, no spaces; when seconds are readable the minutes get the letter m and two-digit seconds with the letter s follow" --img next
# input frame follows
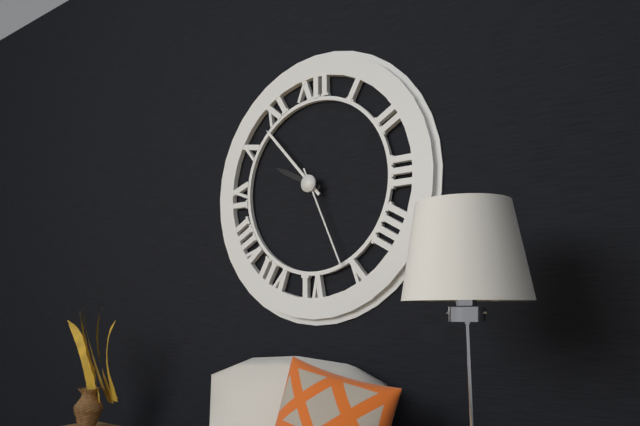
9h53m26s
